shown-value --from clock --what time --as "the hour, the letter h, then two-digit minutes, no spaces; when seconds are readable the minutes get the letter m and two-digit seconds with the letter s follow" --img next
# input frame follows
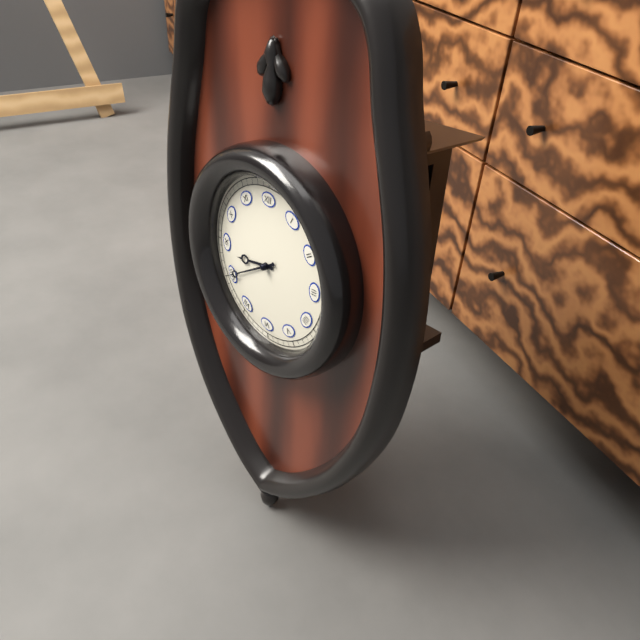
8h40
